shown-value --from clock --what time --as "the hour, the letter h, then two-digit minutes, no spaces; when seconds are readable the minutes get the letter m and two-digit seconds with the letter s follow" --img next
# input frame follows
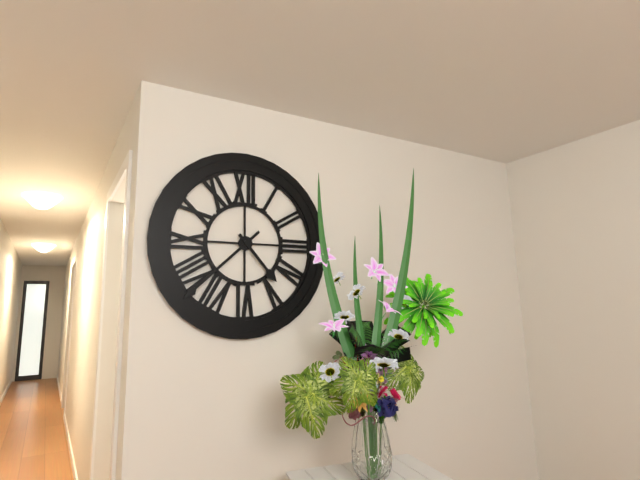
4h38
